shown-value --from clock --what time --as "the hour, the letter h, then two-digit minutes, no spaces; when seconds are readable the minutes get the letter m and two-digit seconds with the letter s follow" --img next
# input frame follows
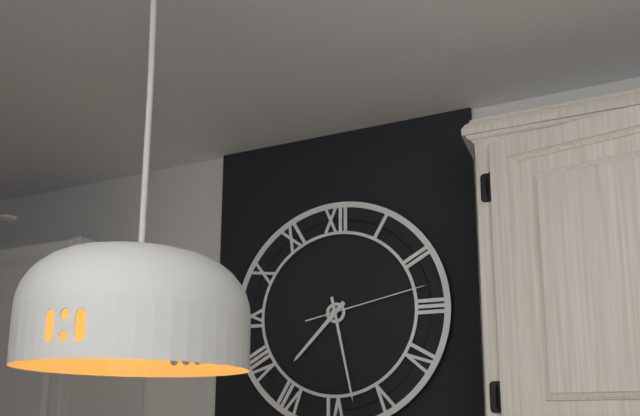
7h28m13s
